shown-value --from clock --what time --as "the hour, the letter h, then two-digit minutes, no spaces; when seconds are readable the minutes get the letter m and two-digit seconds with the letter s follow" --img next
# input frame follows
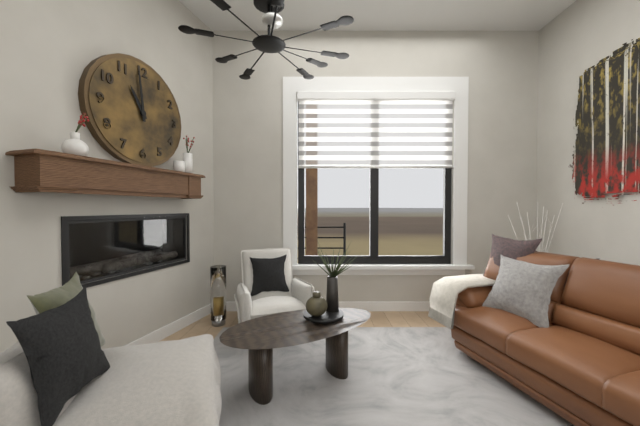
10h59
